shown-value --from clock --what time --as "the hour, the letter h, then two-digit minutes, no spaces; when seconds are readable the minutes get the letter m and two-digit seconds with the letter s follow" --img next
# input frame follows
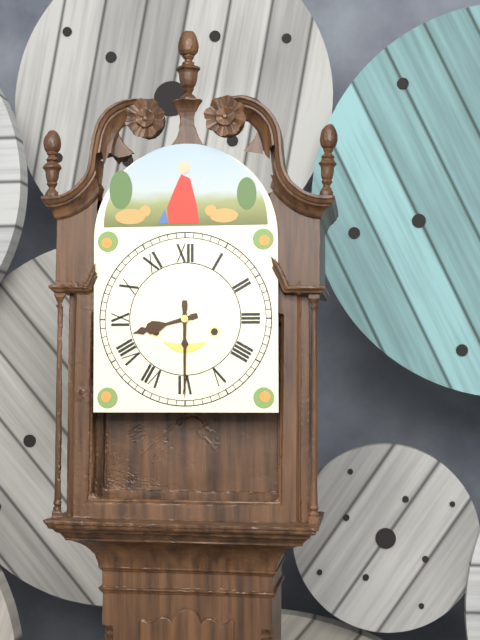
8h30
